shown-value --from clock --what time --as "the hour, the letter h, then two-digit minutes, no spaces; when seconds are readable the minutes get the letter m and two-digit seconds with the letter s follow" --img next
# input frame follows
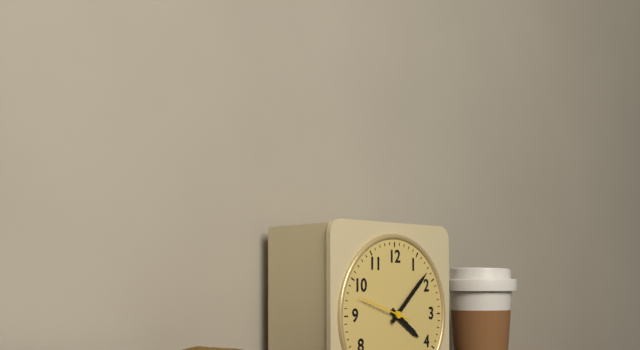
4h08m48s
